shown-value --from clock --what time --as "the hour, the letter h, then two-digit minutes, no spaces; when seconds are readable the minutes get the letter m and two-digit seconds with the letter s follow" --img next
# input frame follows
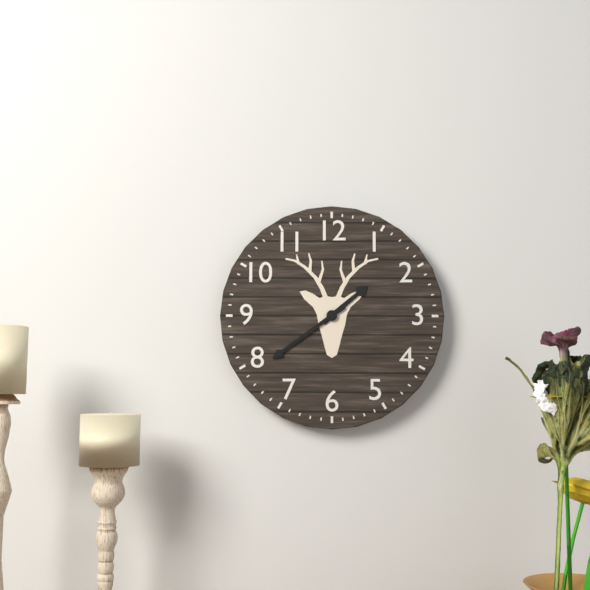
1h39
